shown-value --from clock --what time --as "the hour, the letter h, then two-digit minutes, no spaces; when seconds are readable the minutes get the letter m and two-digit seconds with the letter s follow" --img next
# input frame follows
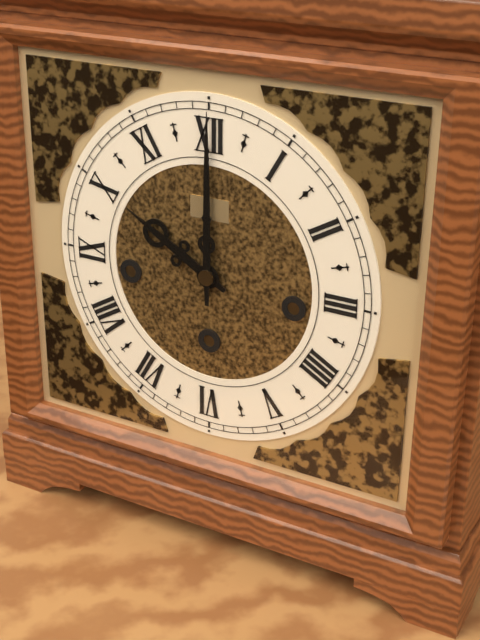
10h00
